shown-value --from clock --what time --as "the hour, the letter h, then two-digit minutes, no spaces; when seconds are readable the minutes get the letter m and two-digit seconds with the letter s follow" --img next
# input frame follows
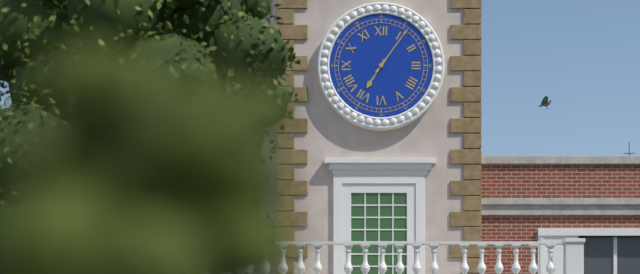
7h06
